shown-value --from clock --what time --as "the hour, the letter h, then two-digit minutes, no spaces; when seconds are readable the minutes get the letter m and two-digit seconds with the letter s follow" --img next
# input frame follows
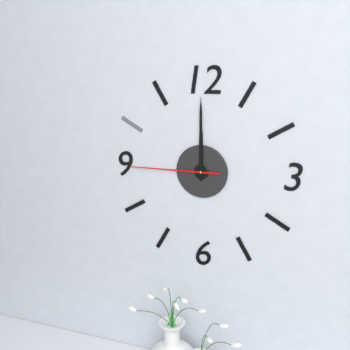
12h00m45s
